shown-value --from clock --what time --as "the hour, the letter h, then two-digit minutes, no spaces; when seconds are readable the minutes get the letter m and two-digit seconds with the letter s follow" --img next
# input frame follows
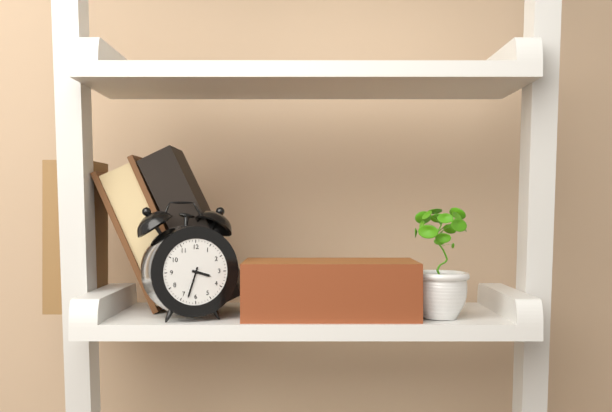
3h33
